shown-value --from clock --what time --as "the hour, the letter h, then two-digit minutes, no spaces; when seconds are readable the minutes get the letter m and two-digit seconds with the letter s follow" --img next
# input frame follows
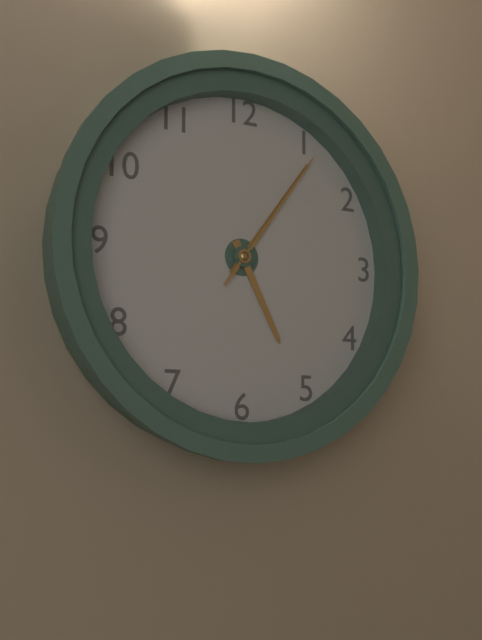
5h06m06s
